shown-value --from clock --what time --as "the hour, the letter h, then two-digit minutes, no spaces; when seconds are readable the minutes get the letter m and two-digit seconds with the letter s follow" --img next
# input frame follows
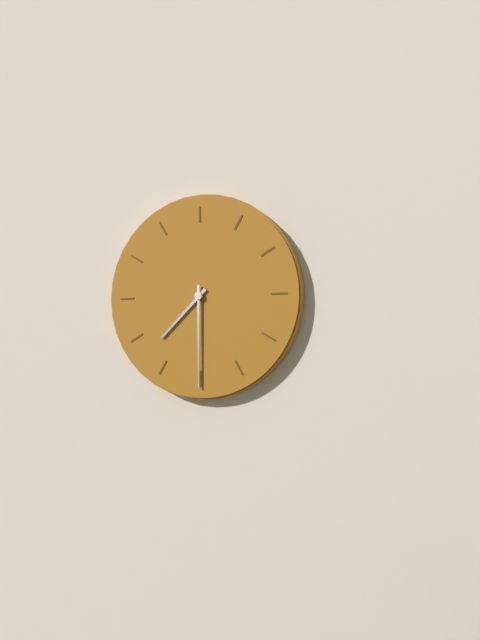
7h30
